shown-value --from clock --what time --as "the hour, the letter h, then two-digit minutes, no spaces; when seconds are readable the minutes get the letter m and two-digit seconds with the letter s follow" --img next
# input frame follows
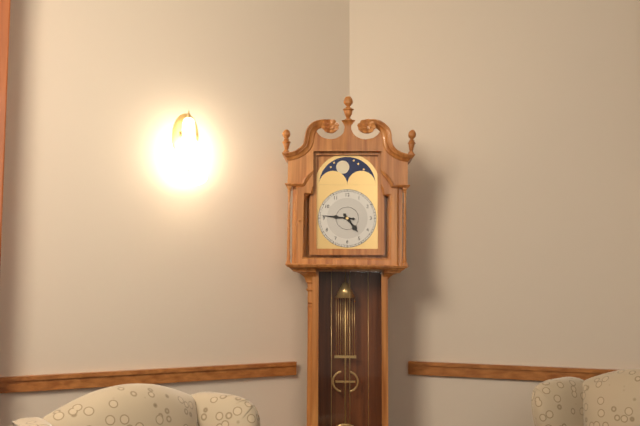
4h46
